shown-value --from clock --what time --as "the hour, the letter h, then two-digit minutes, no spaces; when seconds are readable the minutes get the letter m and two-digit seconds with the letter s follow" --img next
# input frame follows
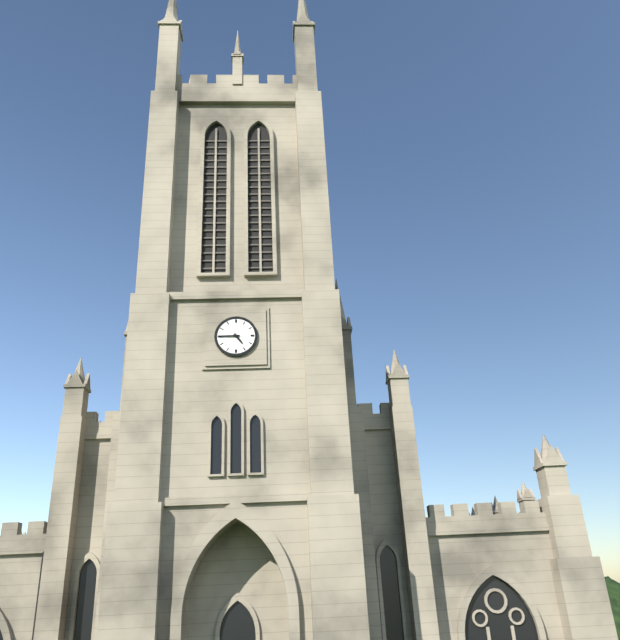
4h45
